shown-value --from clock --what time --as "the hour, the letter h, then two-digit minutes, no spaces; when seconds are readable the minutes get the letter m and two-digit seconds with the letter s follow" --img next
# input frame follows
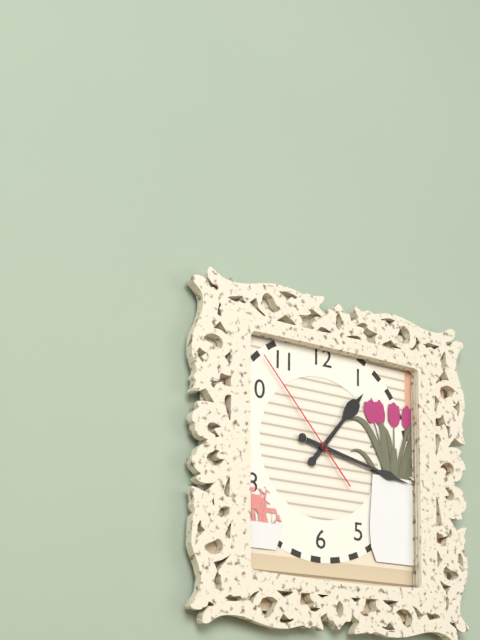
1h17m53s
